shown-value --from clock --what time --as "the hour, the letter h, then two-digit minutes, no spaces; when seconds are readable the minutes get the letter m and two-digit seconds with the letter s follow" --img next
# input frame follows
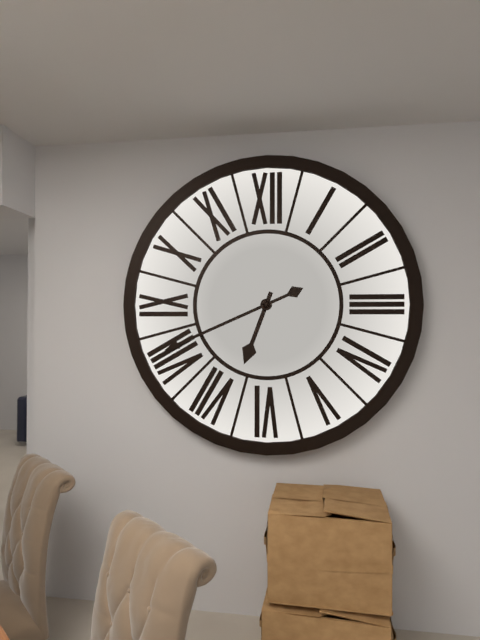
6h41
